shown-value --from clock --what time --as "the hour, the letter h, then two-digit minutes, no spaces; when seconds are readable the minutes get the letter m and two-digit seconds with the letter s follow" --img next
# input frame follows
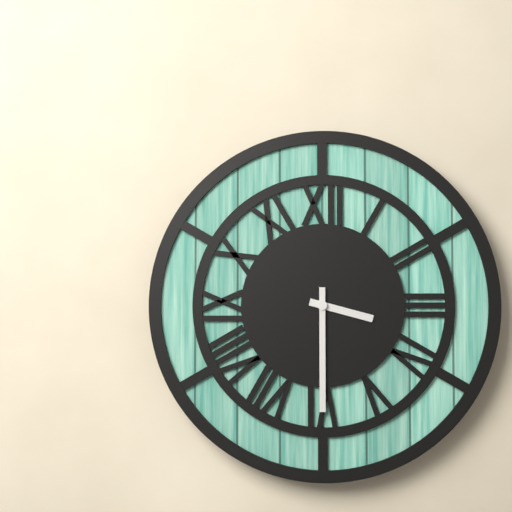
3h30
